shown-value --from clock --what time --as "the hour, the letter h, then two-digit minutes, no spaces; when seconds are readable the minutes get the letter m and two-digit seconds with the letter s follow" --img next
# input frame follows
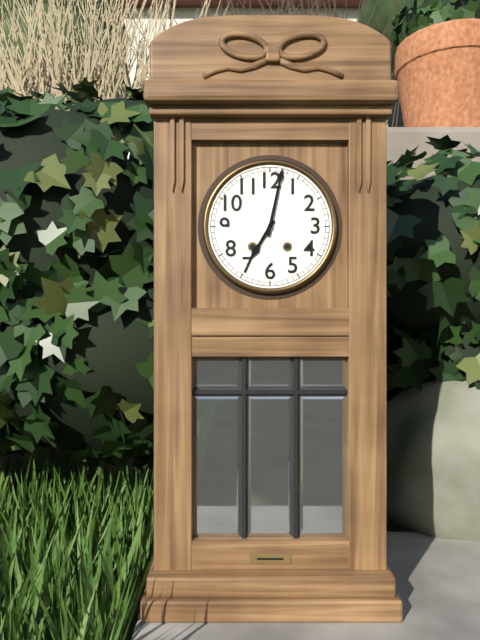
7h02
